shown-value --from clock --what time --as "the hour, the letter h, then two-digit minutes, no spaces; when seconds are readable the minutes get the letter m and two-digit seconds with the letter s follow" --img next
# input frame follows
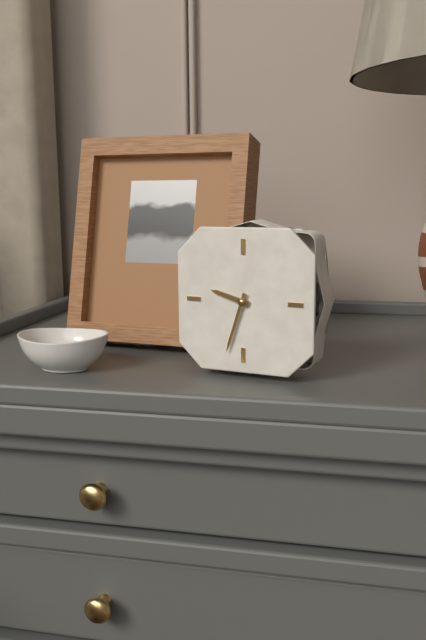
9h33
